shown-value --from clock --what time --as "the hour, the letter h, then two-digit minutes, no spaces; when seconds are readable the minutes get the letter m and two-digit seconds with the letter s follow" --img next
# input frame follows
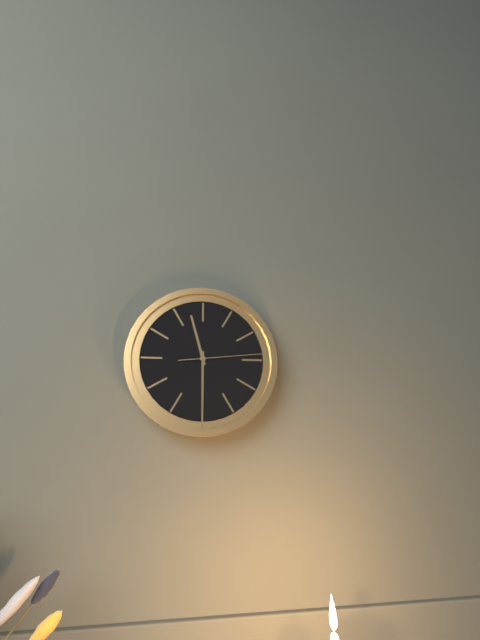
11h30m14s
